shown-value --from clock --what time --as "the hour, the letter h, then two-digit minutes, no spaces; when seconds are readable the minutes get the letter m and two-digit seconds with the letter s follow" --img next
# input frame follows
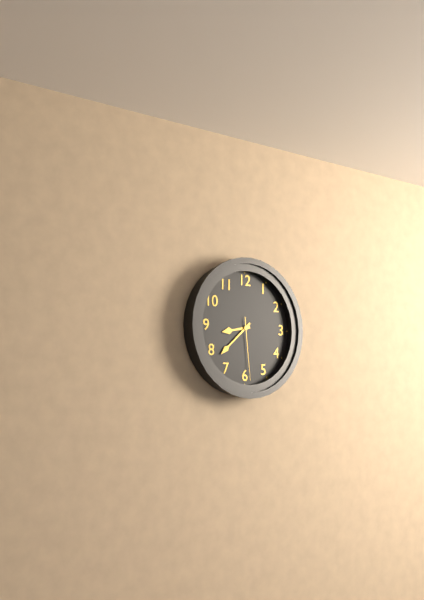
8h38m29s
